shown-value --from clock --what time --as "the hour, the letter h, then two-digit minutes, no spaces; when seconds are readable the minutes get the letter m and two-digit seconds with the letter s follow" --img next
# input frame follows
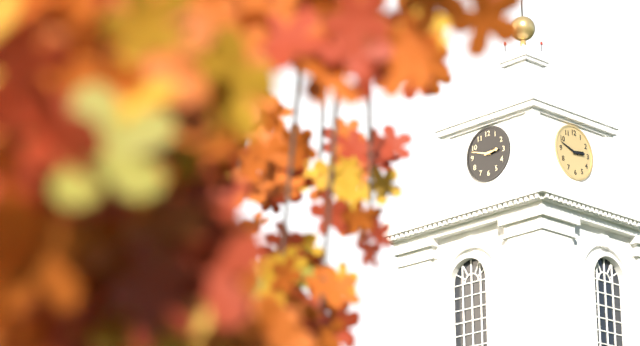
2h48
